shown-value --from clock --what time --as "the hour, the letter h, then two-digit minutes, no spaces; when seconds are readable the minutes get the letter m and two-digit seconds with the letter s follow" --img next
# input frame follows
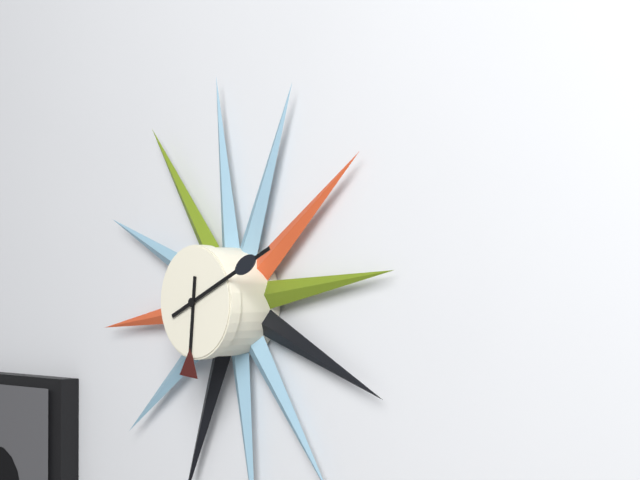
6h11
